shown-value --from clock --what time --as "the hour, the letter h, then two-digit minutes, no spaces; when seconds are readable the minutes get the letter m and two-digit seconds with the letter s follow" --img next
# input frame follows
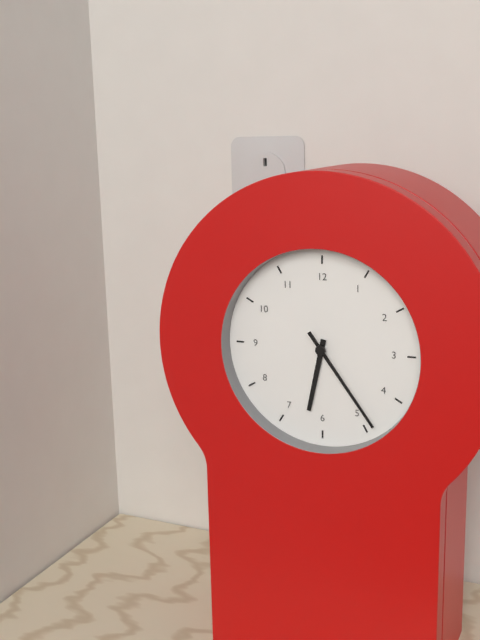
6h24
